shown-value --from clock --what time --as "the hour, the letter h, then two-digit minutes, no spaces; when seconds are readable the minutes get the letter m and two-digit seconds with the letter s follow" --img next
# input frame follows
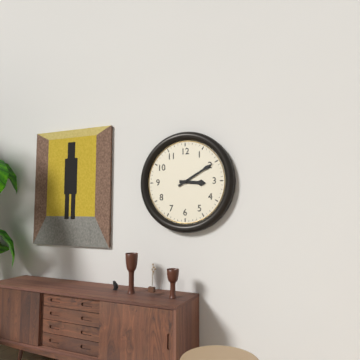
3h10
